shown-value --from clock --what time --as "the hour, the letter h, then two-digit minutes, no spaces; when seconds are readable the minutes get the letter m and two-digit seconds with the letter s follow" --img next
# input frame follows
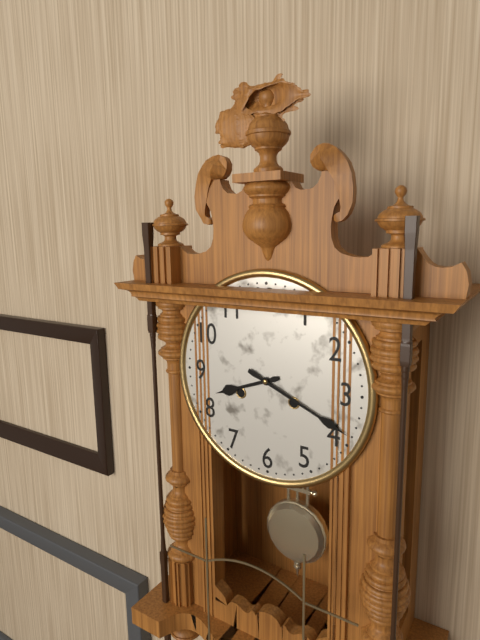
8h19
